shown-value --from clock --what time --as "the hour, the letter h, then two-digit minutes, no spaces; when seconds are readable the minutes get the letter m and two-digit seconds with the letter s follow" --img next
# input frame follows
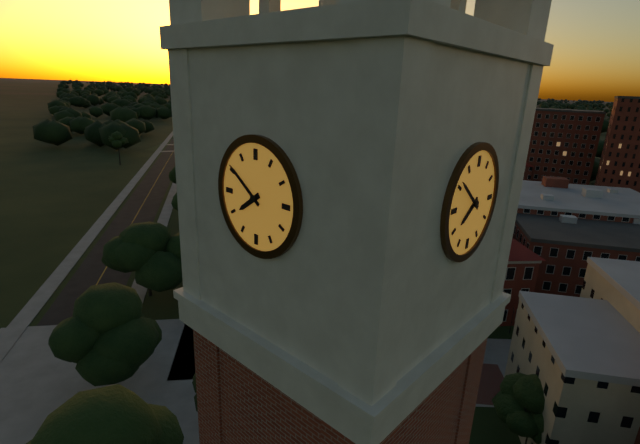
7h51
